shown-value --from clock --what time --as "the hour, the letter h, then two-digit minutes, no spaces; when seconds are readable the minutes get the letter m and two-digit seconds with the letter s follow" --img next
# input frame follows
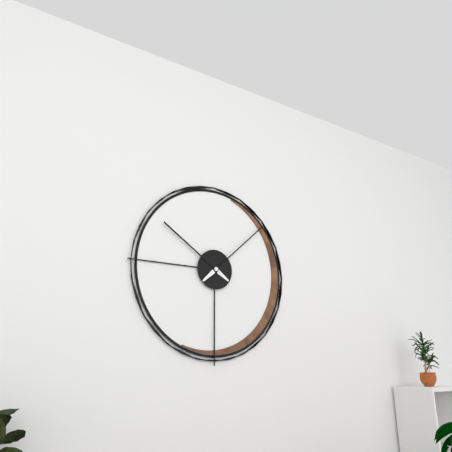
10h08
